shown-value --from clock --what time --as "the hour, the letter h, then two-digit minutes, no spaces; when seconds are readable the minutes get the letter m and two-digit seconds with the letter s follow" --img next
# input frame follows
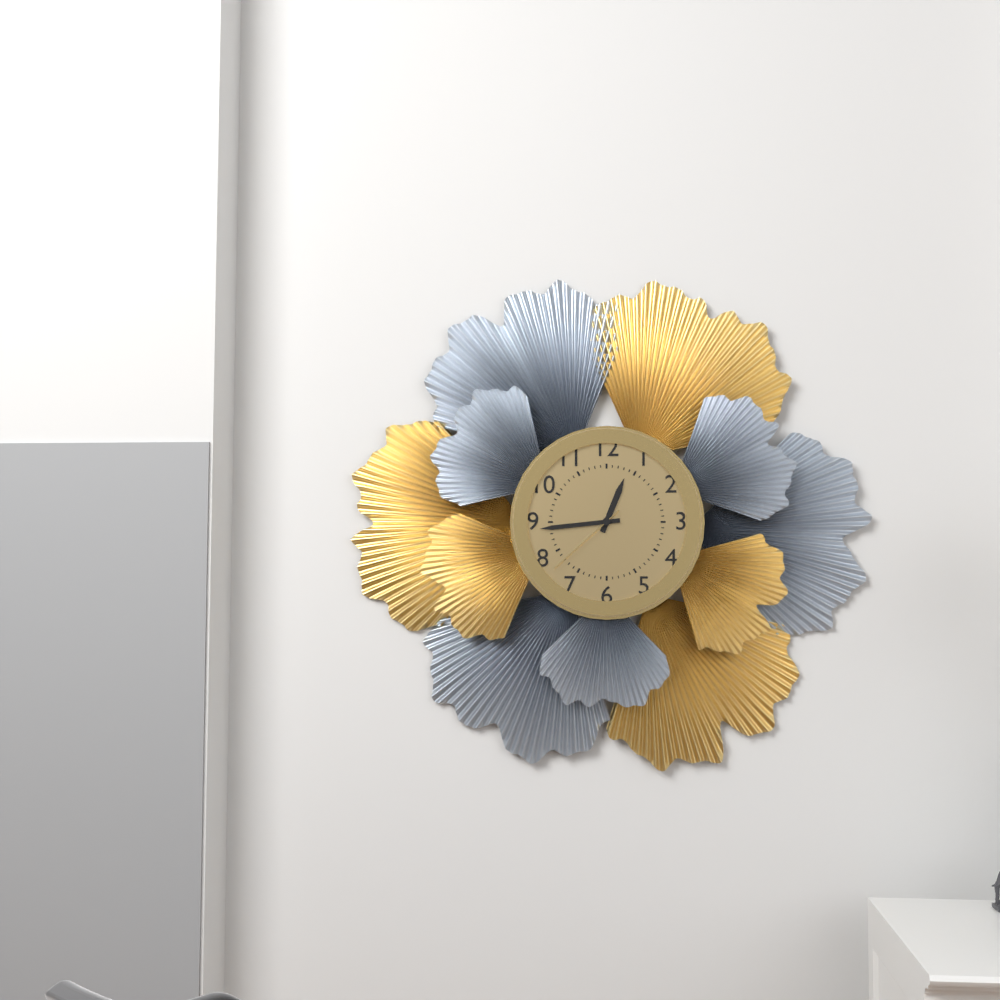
12h44m38s
